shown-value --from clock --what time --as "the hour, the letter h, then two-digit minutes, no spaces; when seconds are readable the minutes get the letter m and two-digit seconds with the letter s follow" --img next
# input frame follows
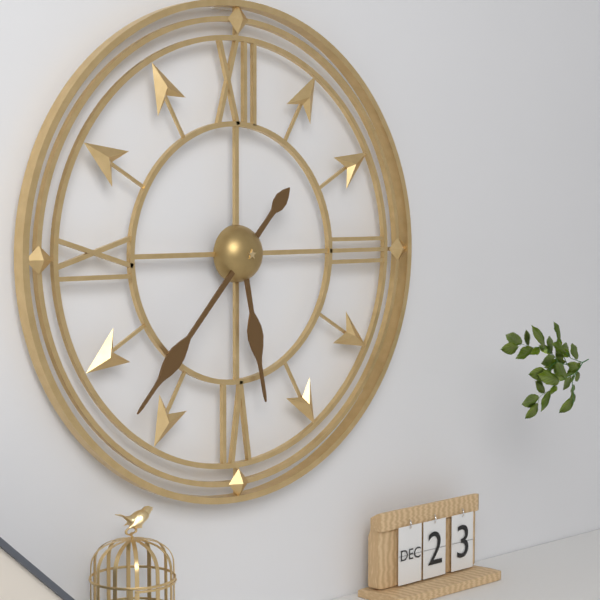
5h37
